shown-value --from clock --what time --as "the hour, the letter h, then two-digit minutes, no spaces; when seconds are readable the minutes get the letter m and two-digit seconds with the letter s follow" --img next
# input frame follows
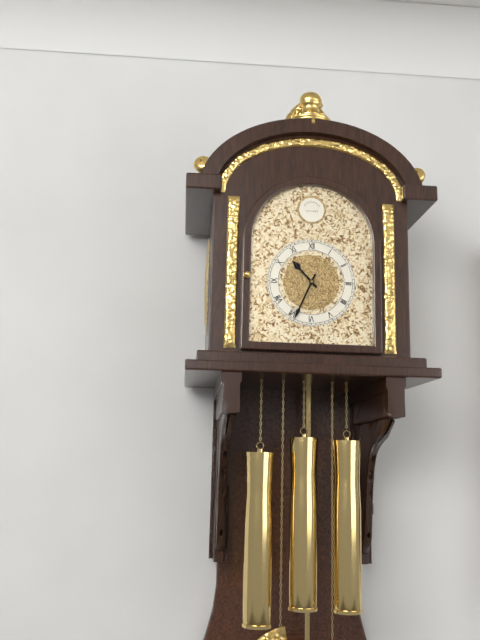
10h34
